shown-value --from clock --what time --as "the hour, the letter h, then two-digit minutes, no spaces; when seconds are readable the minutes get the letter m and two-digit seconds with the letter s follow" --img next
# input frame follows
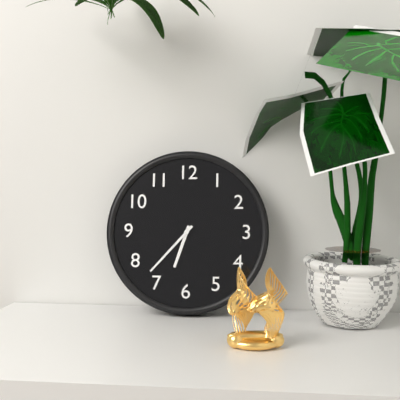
6h37
